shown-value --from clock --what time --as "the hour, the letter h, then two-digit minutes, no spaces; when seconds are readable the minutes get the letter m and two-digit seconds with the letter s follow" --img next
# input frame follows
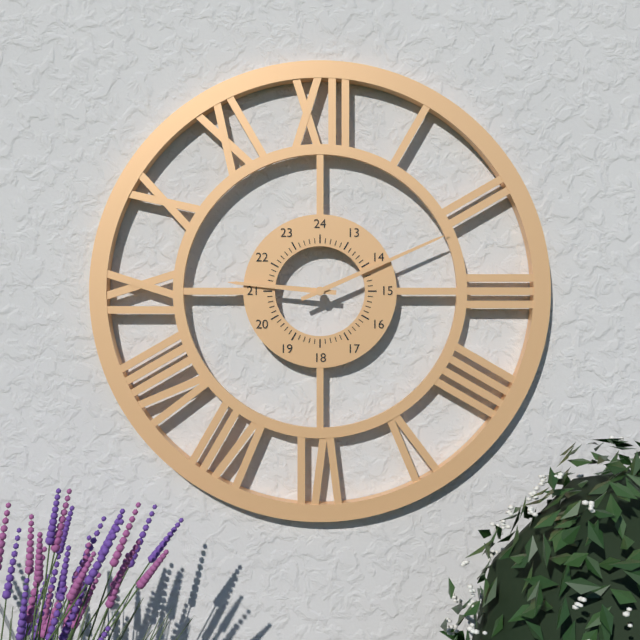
9h11
